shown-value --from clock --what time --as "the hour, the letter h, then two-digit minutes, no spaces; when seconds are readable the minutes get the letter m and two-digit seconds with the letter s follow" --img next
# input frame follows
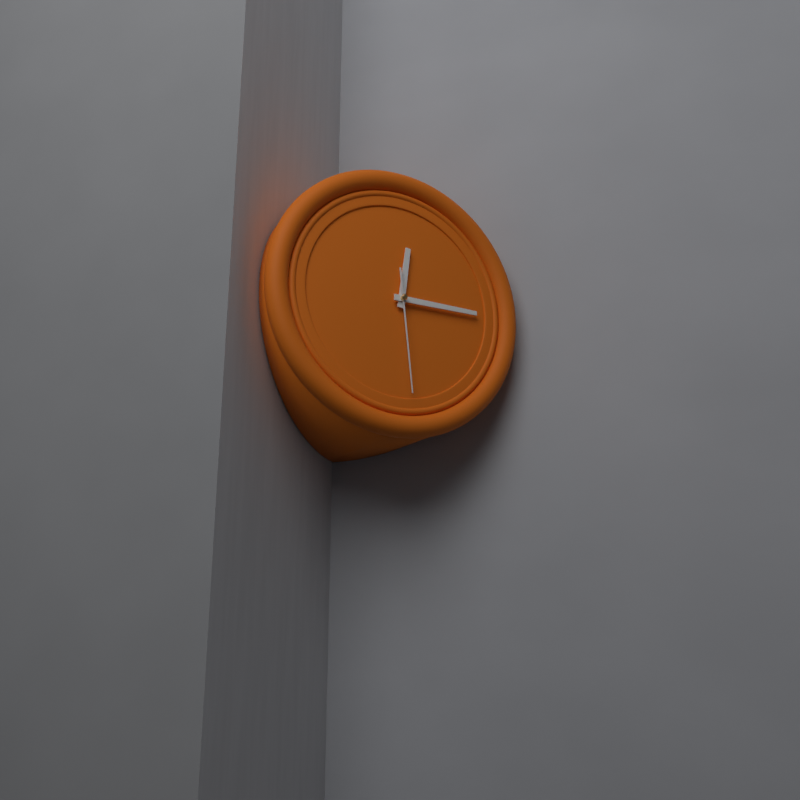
12h15m29s
